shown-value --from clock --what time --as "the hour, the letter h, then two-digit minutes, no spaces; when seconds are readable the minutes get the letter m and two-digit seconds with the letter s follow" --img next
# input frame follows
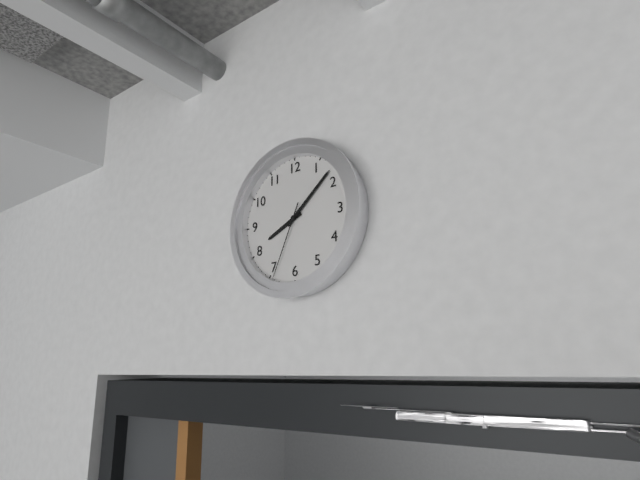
8h08m34s
